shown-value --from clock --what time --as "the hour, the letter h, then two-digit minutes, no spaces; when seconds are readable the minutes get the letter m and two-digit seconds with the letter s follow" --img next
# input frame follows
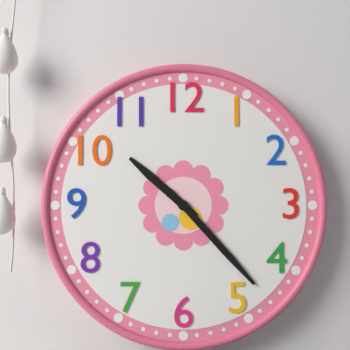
10h23
